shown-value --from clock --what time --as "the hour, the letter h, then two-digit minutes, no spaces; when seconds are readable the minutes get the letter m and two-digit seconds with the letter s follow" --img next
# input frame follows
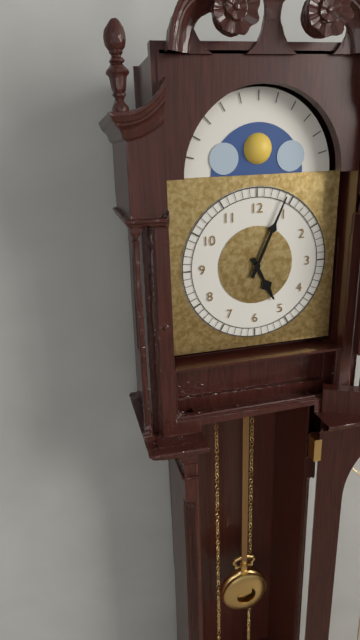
5h04
